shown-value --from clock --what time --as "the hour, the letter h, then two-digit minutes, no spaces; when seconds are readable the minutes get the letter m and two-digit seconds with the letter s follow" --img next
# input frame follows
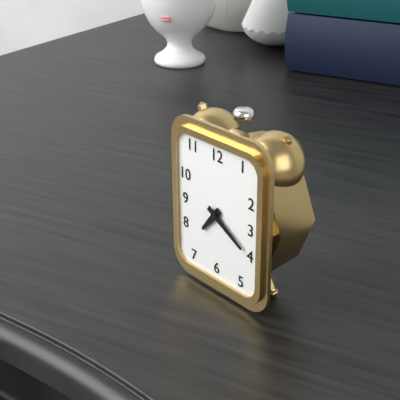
7h20
